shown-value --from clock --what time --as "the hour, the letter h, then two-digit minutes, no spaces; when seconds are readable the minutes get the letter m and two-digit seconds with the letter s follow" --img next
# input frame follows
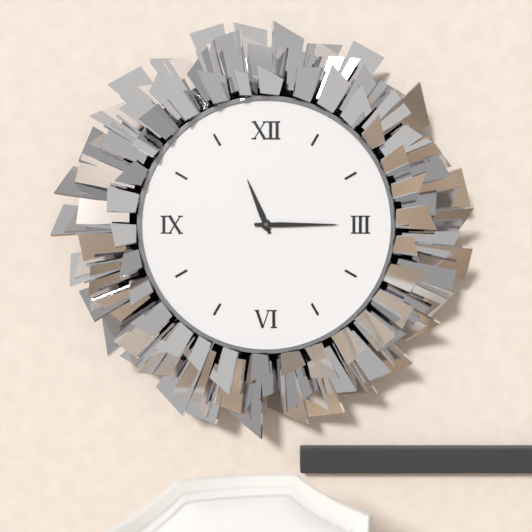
11h15
